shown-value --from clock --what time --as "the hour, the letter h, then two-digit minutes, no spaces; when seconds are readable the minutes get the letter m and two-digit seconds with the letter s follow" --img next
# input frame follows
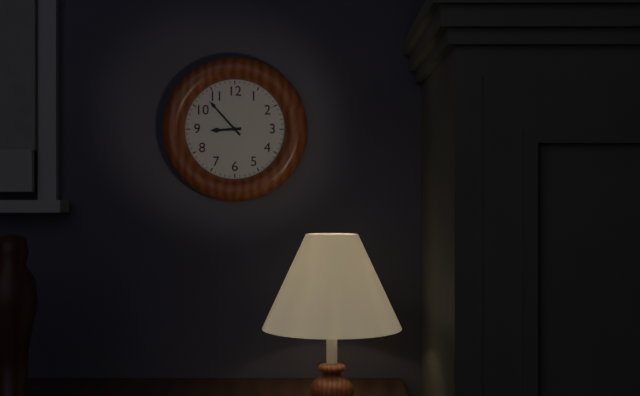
8h53
